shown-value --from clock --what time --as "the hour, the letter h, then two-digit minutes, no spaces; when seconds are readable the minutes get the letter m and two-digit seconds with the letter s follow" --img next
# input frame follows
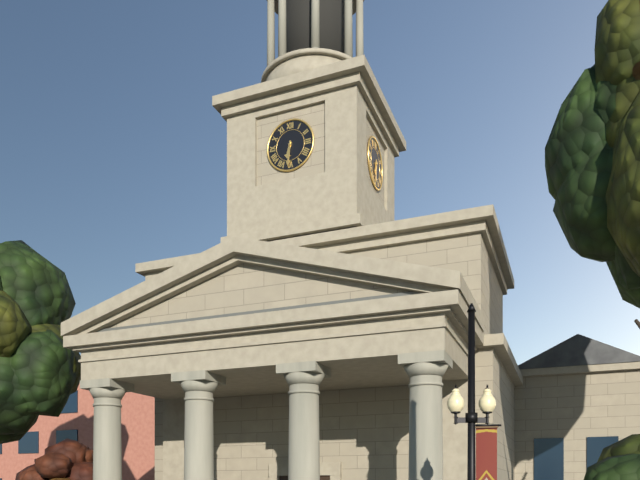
6h31
